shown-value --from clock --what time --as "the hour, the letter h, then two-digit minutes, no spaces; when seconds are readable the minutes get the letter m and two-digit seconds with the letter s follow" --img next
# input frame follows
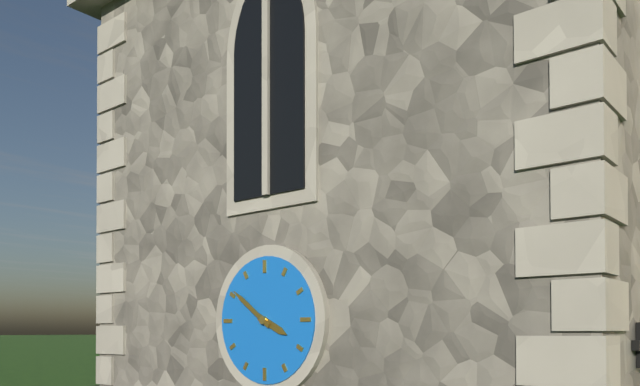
3h51
